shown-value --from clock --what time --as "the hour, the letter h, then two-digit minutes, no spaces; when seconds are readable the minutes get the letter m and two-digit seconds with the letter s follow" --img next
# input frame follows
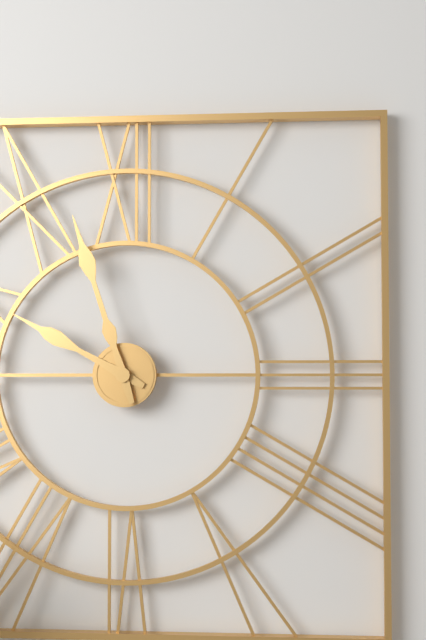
9h57
